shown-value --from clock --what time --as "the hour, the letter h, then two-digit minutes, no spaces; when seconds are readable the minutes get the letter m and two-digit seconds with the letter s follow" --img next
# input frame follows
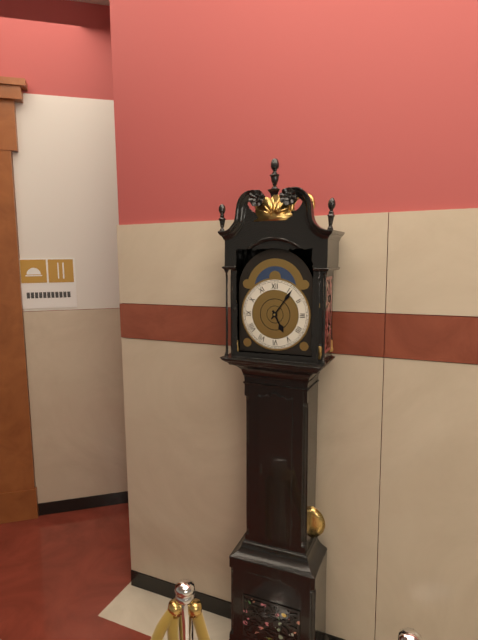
5h06
